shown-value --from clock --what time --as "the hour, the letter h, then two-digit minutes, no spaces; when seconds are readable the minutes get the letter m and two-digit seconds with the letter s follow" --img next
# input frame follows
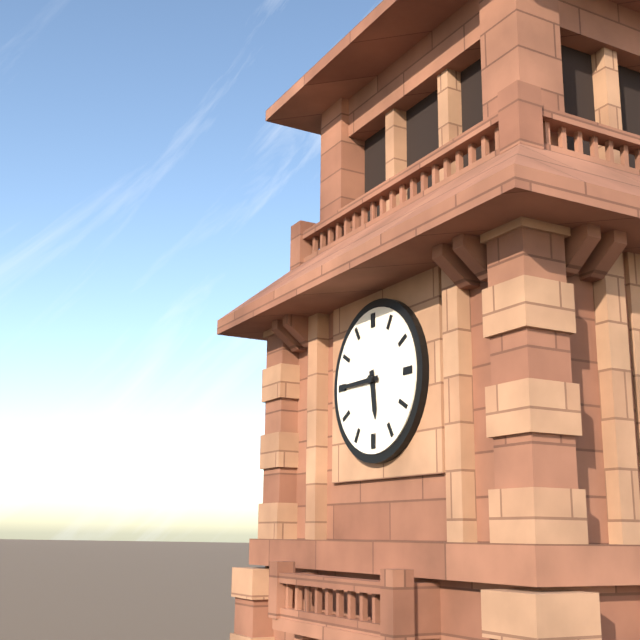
5h45
